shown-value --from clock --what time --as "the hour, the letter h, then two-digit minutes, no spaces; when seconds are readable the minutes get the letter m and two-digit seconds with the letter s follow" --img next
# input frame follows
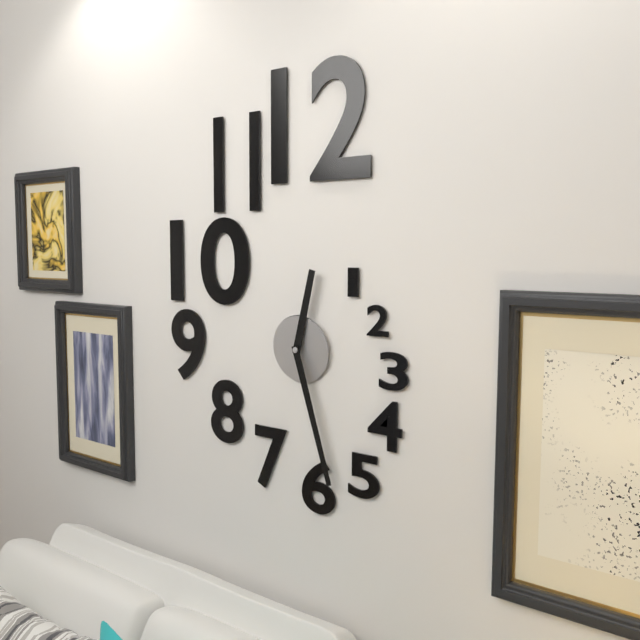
12h27
